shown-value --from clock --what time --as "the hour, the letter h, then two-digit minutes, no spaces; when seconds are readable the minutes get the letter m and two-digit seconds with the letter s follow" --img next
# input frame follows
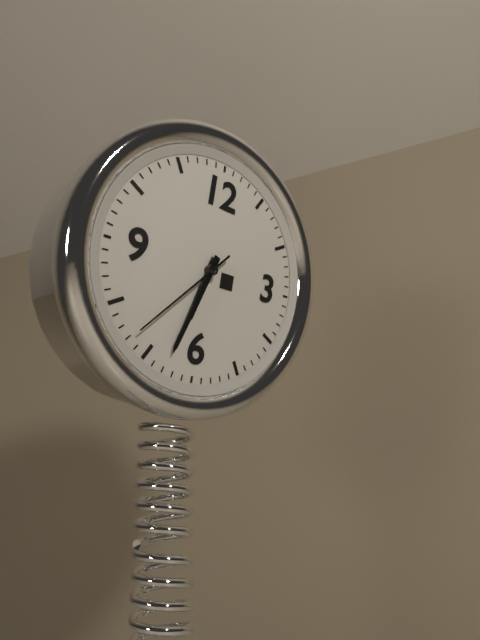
6h33m37s
